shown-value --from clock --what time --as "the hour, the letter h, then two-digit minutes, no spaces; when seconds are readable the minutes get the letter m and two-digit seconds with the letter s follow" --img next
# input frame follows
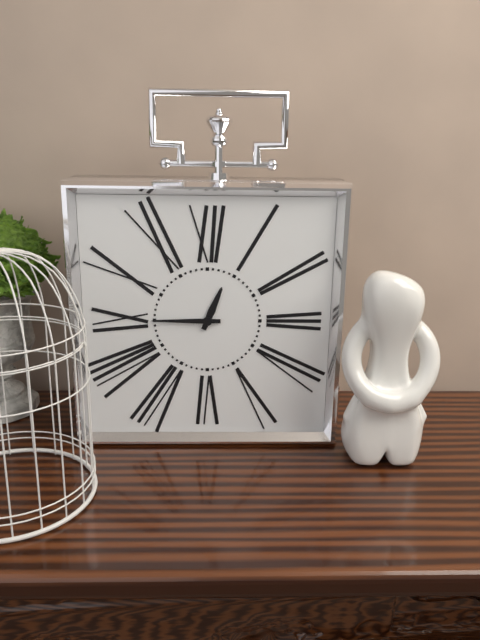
12h45
